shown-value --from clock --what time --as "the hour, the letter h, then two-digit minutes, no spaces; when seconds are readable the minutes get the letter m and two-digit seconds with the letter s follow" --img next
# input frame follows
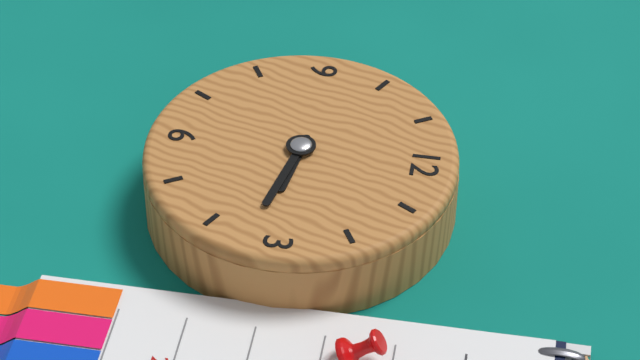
3h17
